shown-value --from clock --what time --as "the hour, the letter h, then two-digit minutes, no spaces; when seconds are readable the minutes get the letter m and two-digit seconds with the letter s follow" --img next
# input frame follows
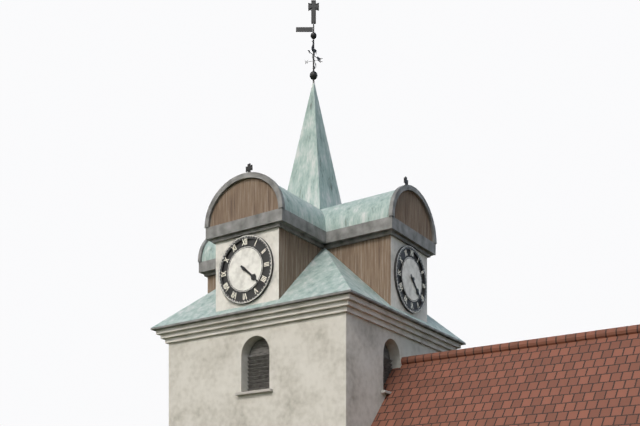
4h22
